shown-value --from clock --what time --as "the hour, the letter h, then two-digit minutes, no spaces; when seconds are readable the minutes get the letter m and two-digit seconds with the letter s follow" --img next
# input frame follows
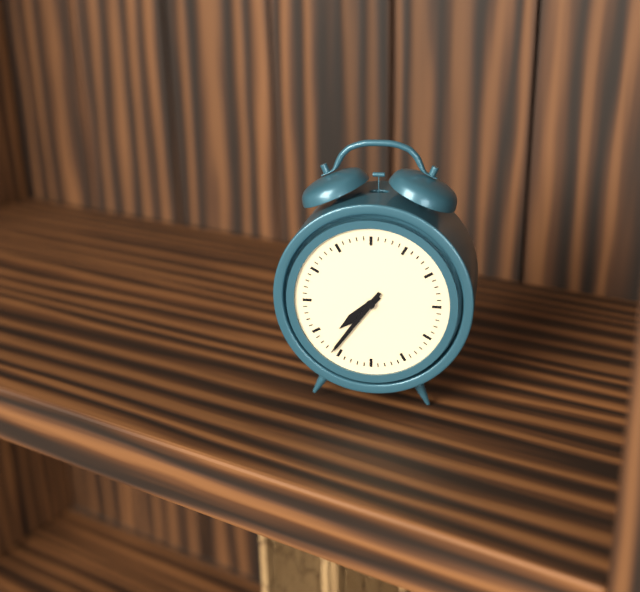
7h36
